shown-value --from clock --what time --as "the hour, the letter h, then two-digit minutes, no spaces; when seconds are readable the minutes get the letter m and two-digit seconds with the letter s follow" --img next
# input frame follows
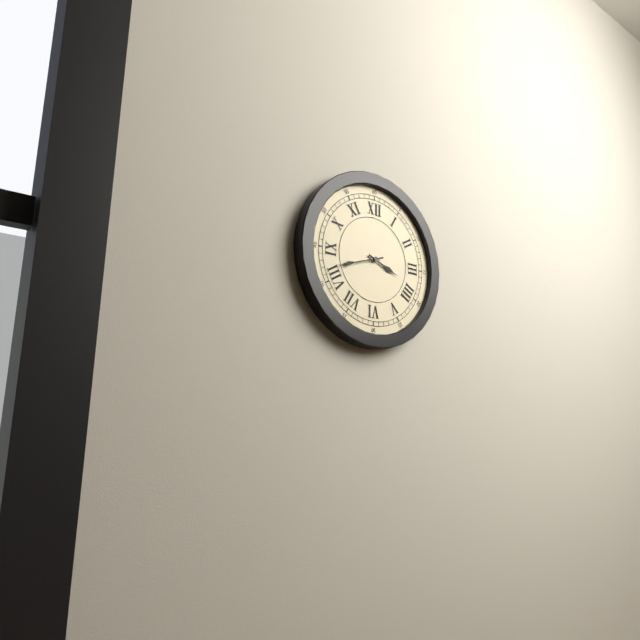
3h42
